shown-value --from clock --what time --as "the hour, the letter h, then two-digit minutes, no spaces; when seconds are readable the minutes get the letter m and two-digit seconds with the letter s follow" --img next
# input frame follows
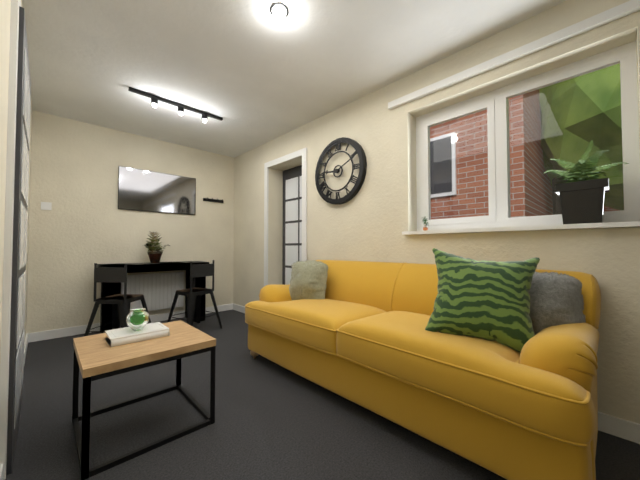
9h11
